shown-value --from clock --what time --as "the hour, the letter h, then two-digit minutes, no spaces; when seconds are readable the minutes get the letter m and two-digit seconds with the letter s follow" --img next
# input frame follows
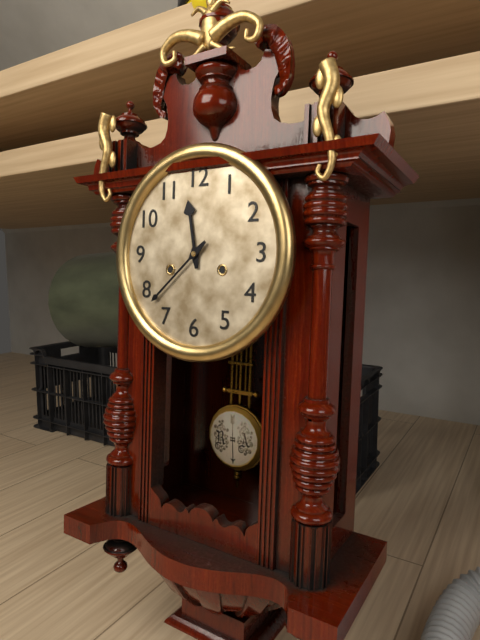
11h38
